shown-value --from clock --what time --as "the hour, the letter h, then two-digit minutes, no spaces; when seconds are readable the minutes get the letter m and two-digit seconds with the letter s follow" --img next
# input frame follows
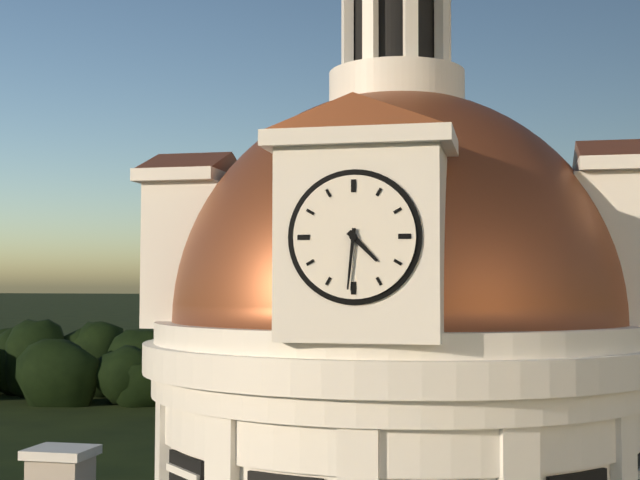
4h31
